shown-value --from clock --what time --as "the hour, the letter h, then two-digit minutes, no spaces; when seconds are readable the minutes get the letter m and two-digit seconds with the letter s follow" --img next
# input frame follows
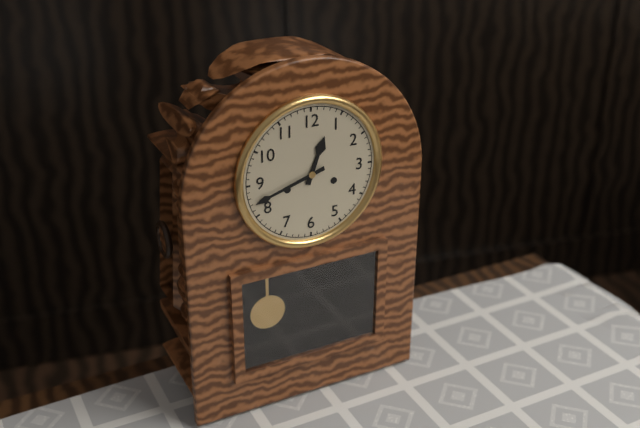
12h42
